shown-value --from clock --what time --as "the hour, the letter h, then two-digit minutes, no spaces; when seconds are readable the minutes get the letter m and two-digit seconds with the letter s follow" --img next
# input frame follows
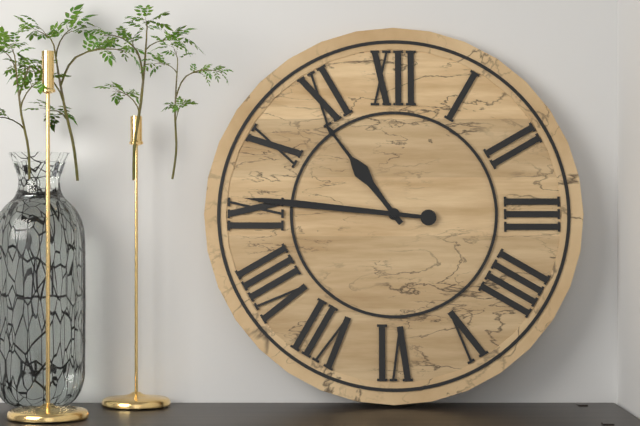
10h46
